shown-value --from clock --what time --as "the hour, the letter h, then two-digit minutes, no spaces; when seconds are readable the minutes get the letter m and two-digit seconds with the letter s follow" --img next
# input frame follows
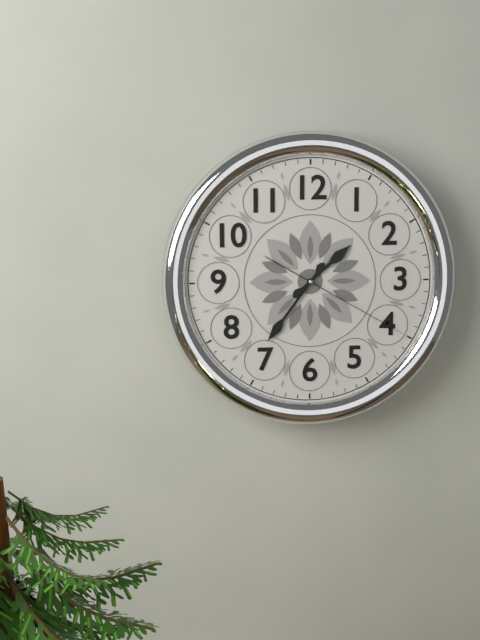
1h36m20s
